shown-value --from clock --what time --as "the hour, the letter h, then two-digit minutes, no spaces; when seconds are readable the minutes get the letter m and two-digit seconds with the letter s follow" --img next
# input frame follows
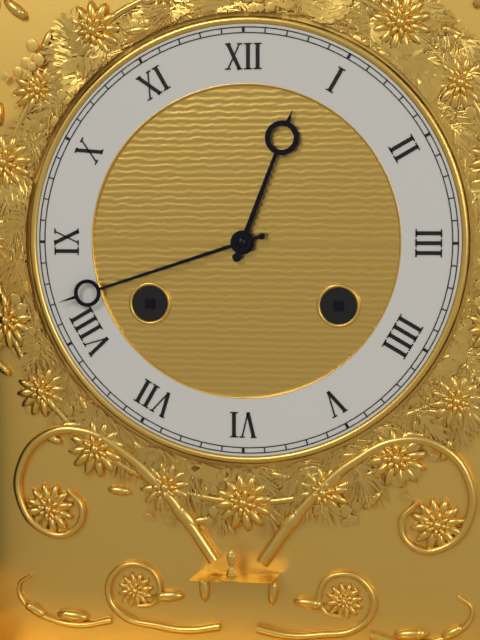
12h42
